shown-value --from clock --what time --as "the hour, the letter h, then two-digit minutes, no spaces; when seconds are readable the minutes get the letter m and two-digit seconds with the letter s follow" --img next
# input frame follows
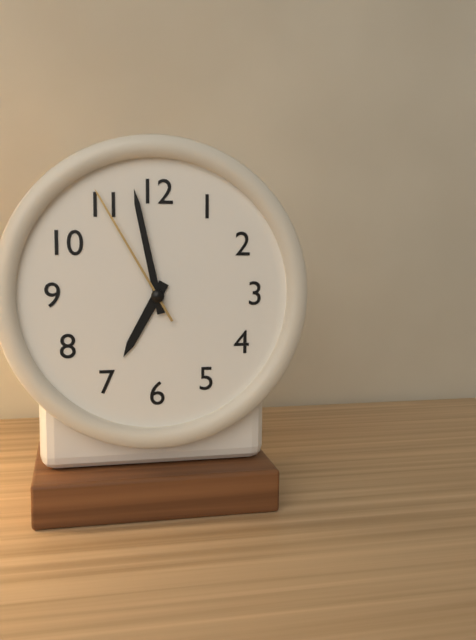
6h58m55s
